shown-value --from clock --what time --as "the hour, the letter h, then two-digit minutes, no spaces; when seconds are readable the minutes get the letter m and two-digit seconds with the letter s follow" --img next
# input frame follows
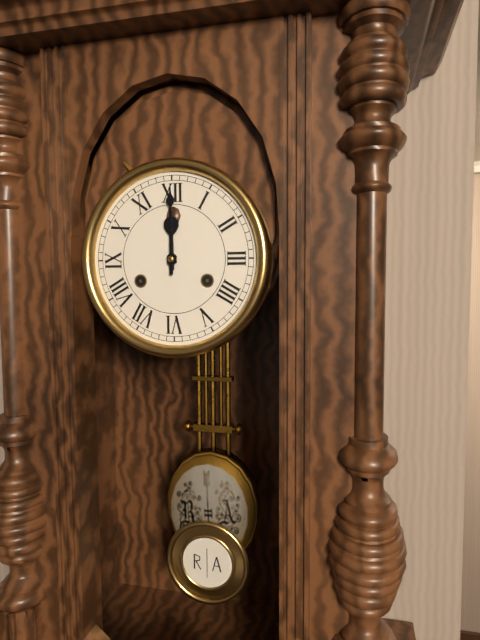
12h00
